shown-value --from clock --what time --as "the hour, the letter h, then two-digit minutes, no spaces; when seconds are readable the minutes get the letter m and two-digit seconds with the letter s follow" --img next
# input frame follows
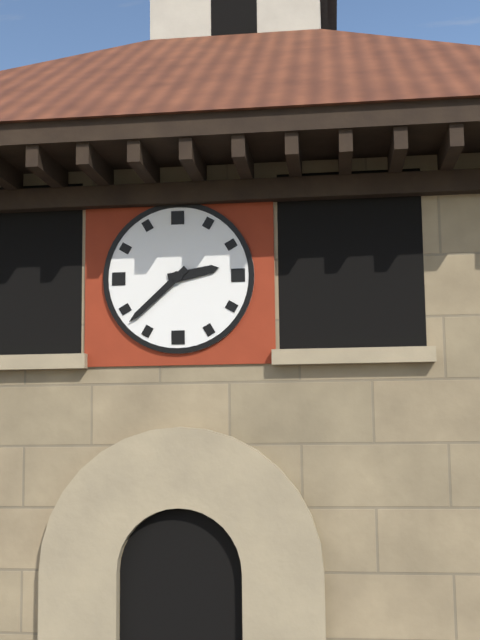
2h38
